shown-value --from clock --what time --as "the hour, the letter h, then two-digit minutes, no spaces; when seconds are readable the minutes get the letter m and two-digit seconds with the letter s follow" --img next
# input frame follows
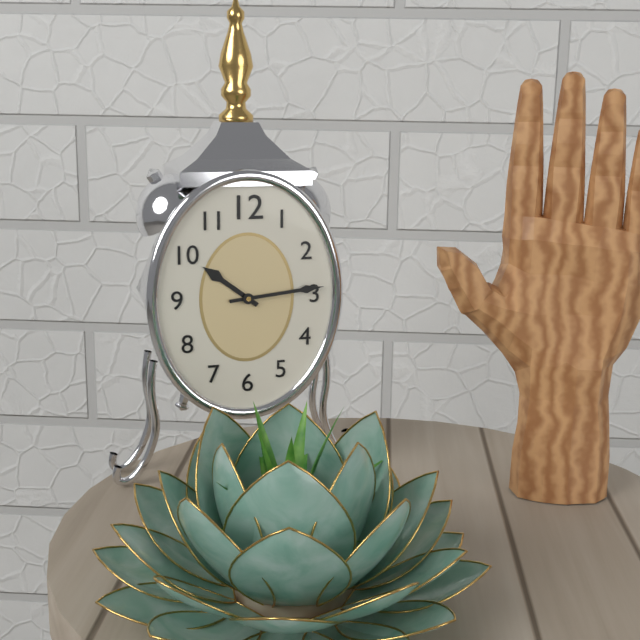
10h14
